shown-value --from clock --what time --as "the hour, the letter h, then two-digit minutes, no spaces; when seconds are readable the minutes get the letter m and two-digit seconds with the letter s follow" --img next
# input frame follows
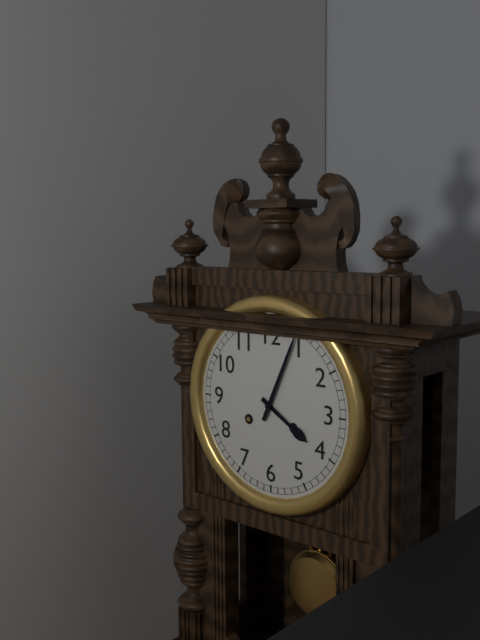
4h04
